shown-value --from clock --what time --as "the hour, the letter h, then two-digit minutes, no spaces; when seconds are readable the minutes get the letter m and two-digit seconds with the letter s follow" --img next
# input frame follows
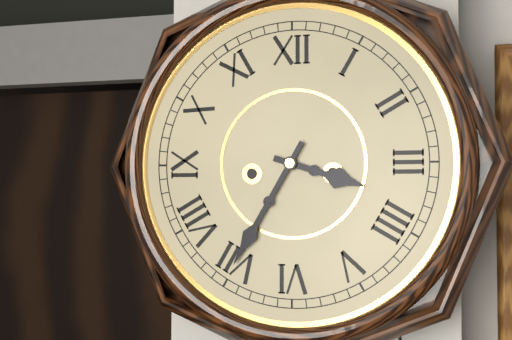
3h35
